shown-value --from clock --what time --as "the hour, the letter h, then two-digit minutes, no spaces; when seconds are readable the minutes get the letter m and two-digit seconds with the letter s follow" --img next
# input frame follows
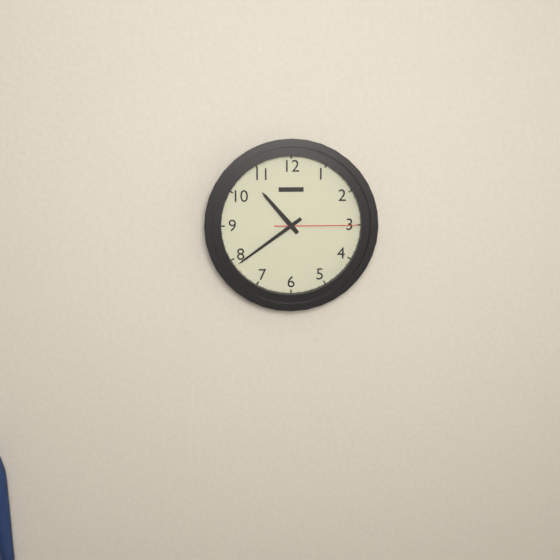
10h39m15s
